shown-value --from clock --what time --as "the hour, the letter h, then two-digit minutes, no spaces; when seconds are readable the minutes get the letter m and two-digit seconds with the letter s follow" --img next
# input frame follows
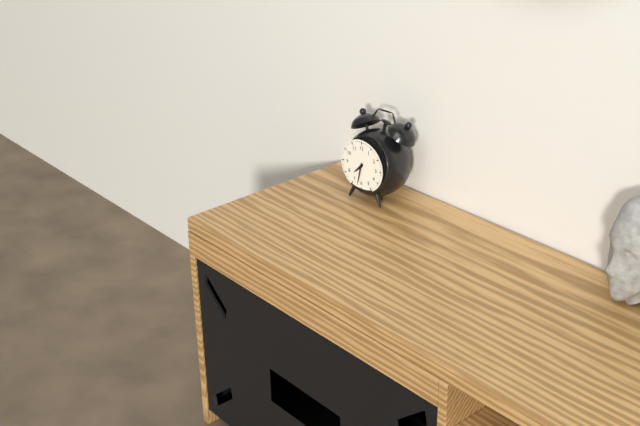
7h32
